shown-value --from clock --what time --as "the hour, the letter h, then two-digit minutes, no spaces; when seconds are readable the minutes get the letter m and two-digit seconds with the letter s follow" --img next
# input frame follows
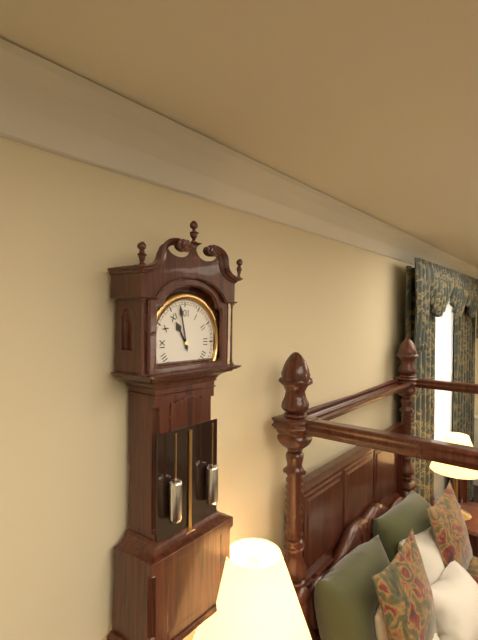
10h58
